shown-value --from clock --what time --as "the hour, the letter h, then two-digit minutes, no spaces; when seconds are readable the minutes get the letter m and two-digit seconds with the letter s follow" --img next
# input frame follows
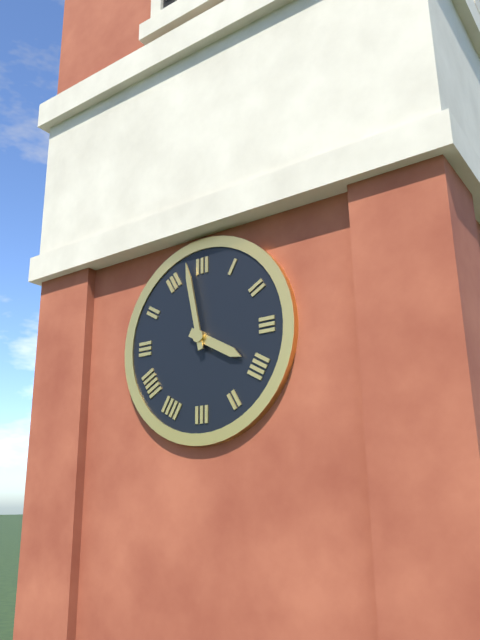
3h58
